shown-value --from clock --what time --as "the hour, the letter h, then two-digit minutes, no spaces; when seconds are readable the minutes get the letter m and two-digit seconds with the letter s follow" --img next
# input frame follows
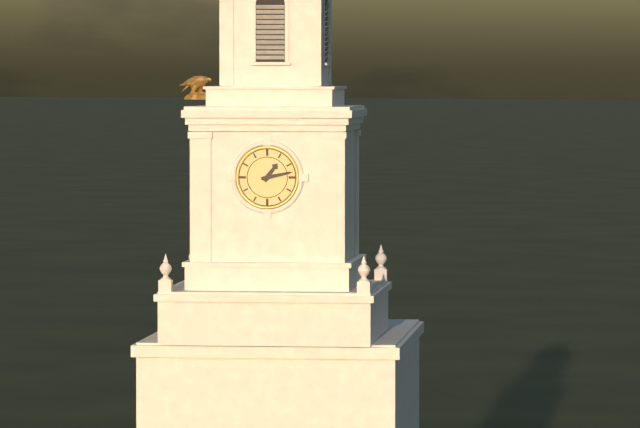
1h13
